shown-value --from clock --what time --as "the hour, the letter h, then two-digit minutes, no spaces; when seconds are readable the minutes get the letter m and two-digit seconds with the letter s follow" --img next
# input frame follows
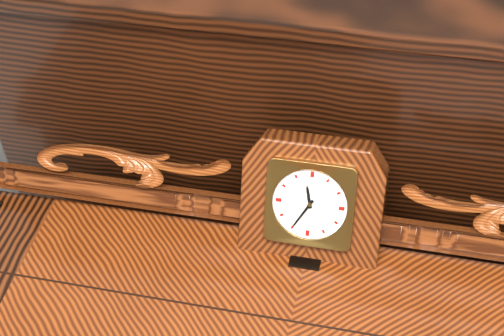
11h35
